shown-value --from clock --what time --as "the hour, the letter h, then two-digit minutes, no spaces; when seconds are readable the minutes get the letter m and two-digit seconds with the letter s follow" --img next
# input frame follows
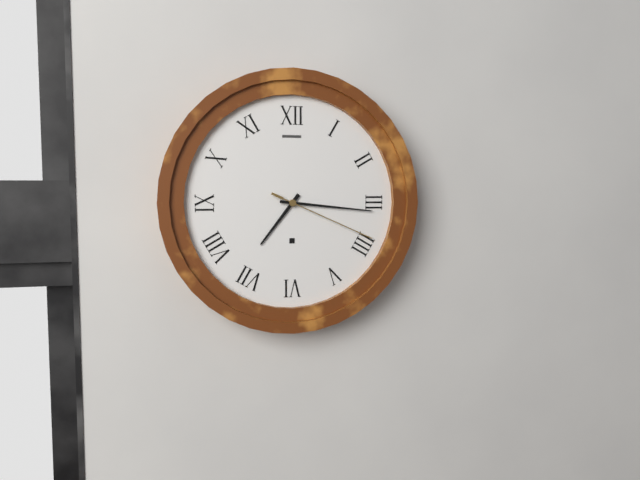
7h16m19s
